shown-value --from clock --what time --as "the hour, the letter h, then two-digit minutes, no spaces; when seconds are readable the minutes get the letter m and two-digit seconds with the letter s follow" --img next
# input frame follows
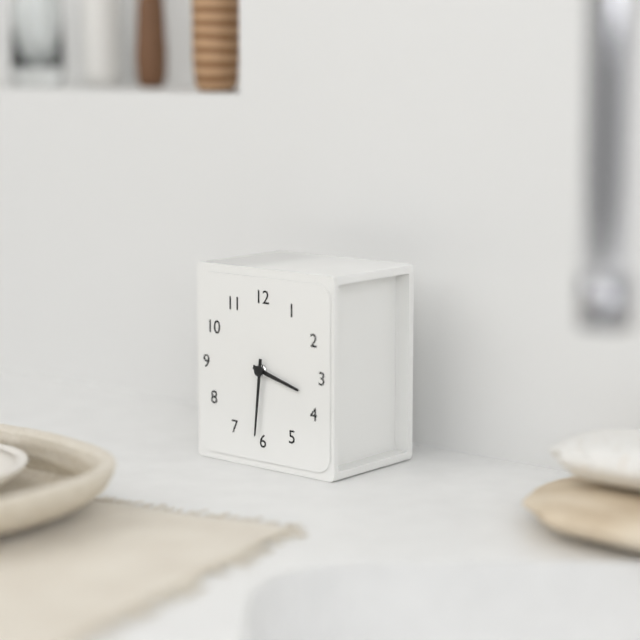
3h31
